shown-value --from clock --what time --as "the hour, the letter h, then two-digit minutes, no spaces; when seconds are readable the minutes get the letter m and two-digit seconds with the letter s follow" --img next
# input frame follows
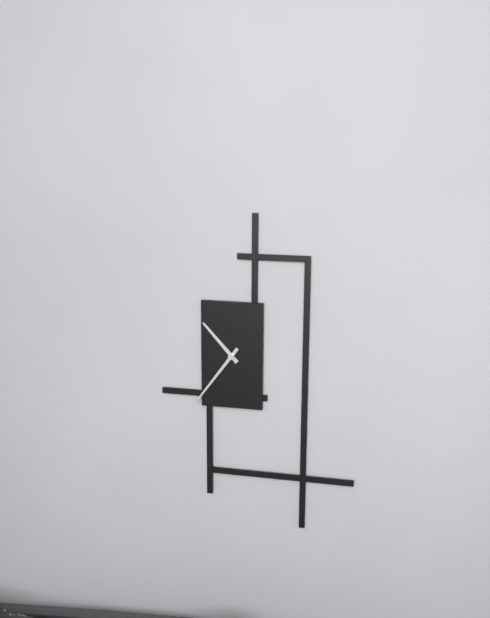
10h36
